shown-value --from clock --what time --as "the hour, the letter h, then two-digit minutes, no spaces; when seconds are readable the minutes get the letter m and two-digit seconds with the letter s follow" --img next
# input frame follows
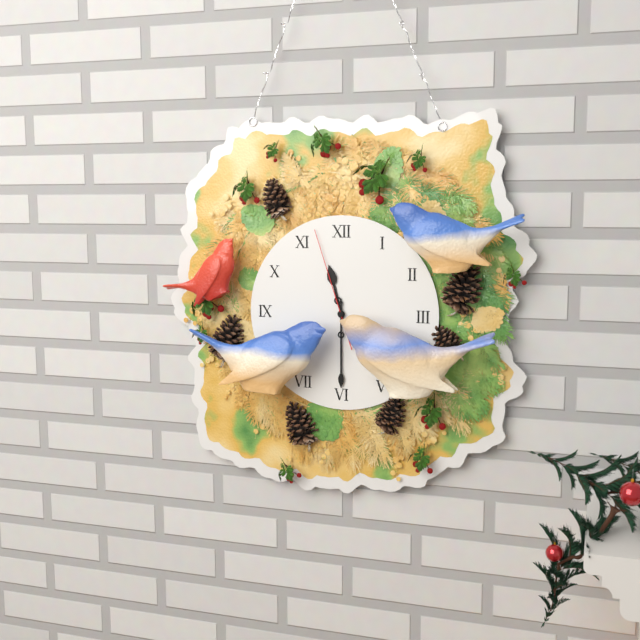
11h30m57s
